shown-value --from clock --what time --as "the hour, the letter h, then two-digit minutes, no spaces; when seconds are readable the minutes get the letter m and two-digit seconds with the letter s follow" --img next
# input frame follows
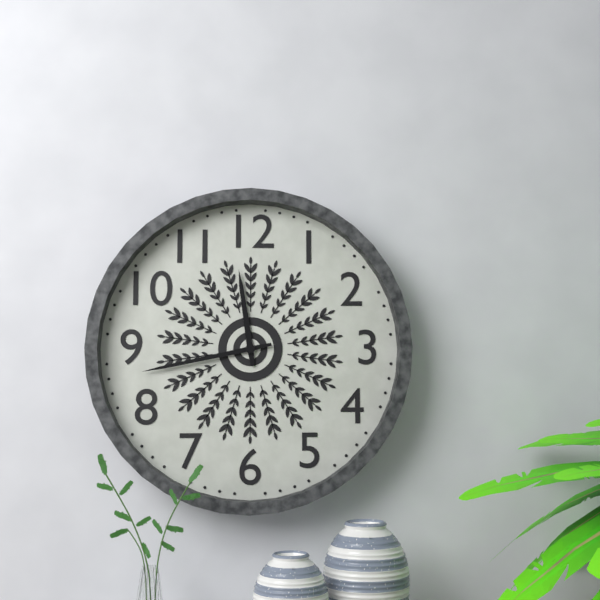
11h43
